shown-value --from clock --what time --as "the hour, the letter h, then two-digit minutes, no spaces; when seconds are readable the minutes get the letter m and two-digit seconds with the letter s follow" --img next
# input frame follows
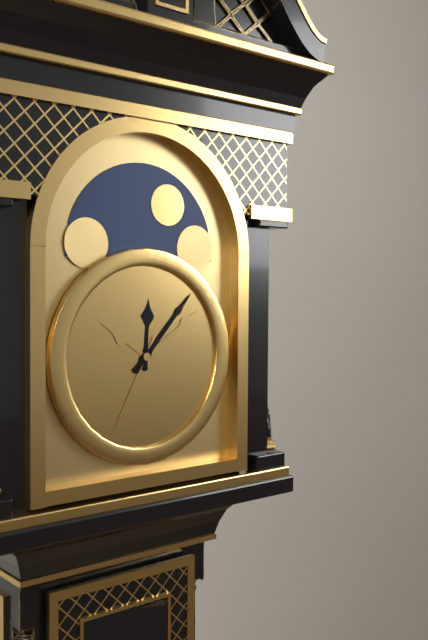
12h07
